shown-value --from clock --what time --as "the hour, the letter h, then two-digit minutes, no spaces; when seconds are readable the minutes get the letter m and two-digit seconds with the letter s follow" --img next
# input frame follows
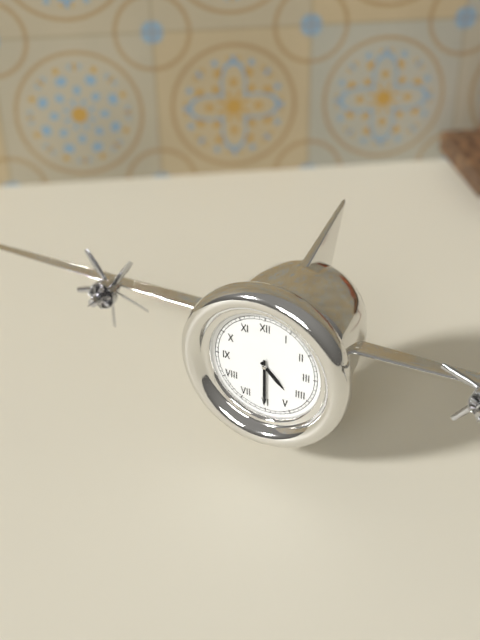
4h30
